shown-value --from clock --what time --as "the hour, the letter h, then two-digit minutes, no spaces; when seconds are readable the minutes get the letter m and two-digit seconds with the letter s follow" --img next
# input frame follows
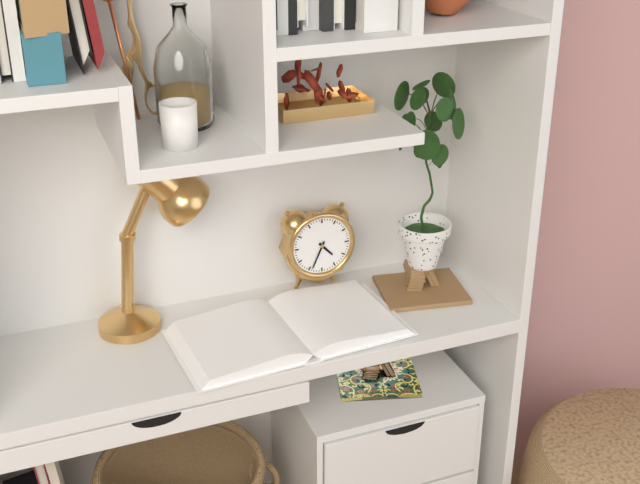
4h34
